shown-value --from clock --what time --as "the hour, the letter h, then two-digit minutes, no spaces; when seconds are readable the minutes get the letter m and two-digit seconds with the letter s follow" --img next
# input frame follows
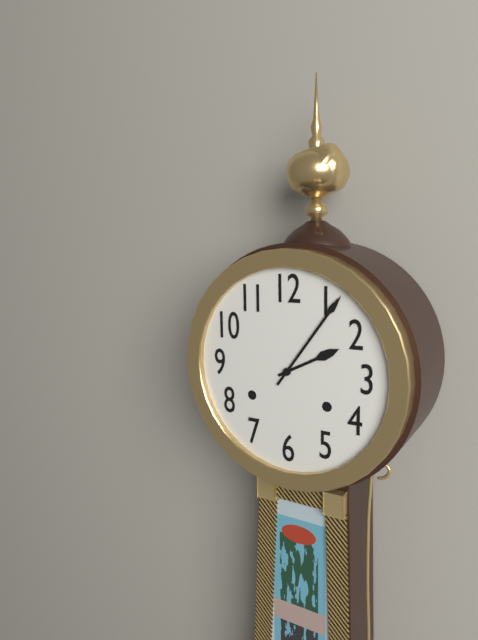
2h06
